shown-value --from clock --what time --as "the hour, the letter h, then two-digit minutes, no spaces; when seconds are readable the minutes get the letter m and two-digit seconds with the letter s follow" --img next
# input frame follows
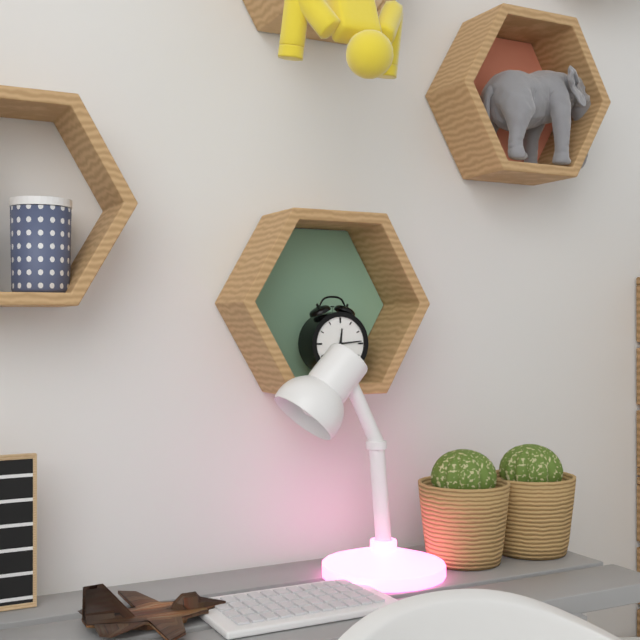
12h14
